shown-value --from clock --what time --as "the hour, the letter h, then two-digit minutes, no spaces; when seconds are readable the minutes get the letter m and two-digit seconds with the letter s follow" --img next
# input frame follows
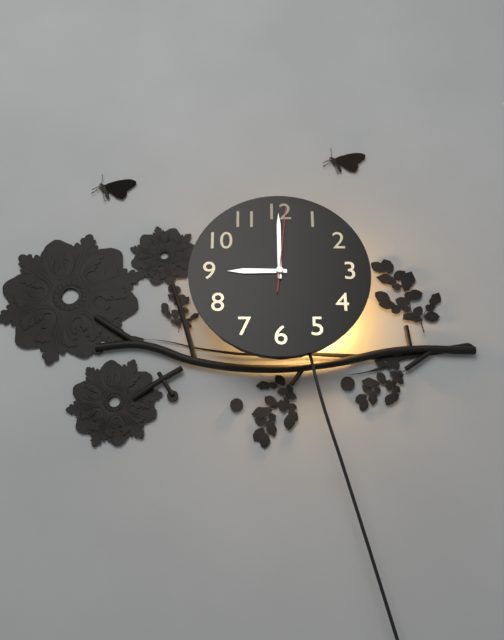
9h00m01s
